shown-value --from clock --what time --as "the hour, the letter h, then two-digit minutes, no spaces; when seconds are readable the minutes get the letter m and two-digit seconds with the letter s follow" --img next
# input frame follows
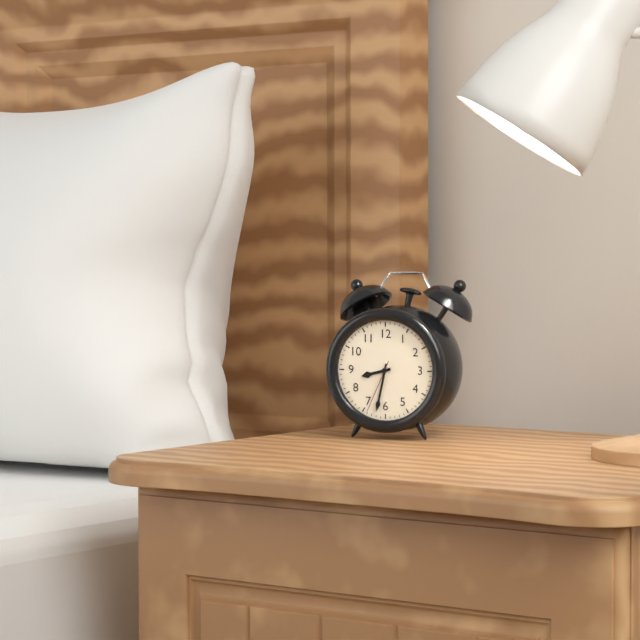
8h32m34s
